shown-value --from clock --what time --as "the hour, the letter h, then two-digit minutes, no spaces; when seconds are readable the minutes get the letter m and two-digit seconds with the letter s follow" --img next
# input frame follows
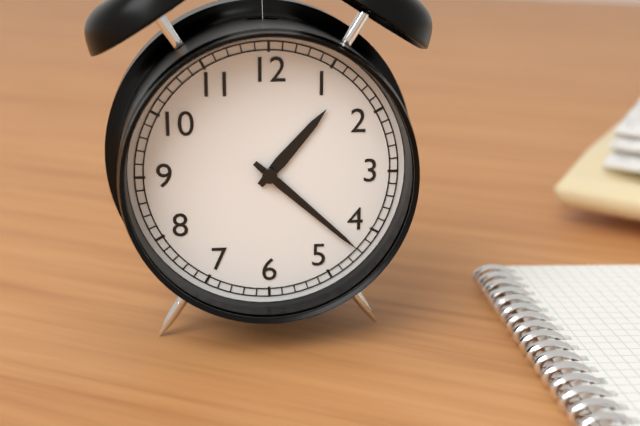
1h22
